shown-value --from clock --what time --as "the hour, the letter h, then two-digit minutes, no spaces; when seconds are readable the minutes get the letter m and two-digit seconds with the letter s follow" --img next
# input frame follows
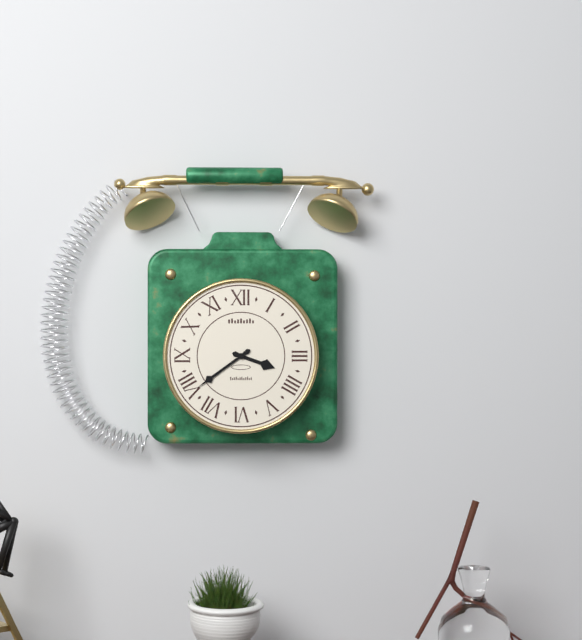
3h39
